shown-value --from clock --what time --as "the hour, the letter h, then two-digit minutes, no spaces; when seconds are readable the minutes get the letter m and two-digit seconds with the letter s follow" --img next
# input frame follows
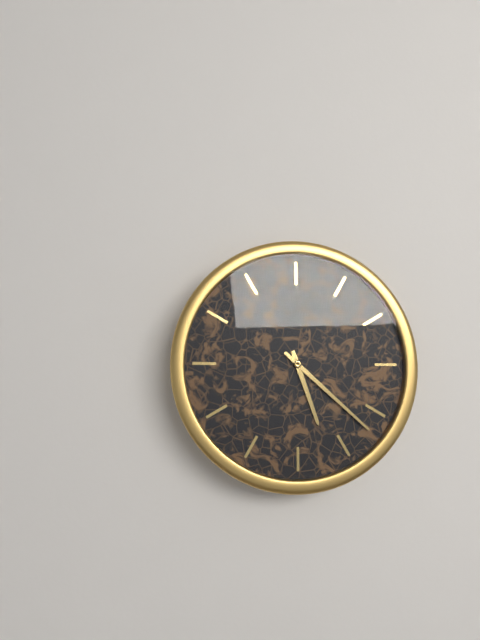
5h22
